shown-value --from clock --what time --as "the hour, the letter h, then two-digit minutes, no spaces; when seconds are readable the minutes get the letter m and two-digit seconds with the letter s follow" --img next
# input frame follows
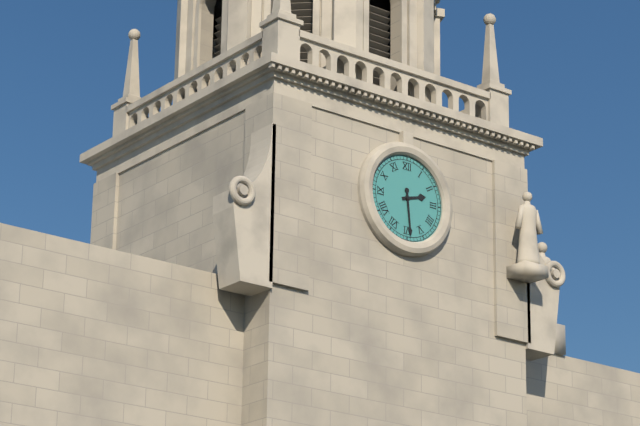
2h29
